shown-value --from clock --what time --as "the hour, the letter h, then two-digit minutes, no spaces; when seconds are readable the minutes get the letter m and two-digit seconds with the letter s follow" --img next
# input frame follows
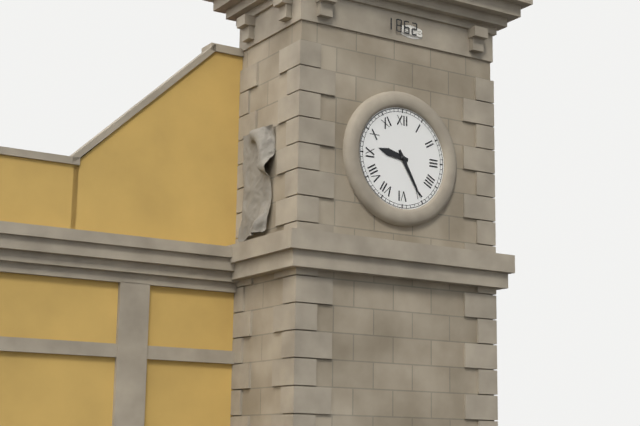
9h25
